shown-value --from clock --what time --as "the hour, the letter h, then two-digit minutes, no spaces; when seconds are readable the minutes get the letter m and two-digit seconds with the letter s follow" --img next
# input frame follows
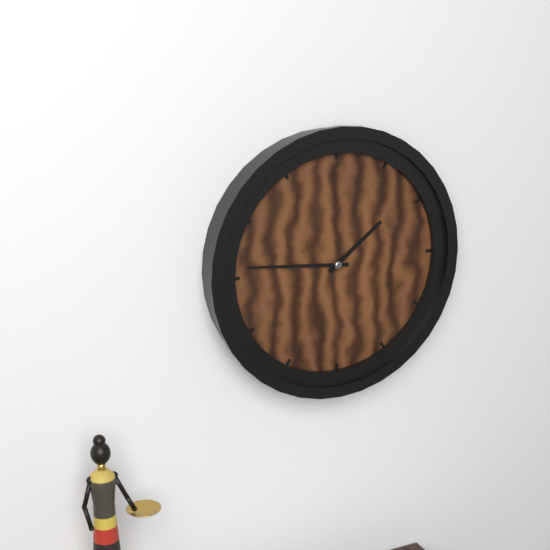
1h46
